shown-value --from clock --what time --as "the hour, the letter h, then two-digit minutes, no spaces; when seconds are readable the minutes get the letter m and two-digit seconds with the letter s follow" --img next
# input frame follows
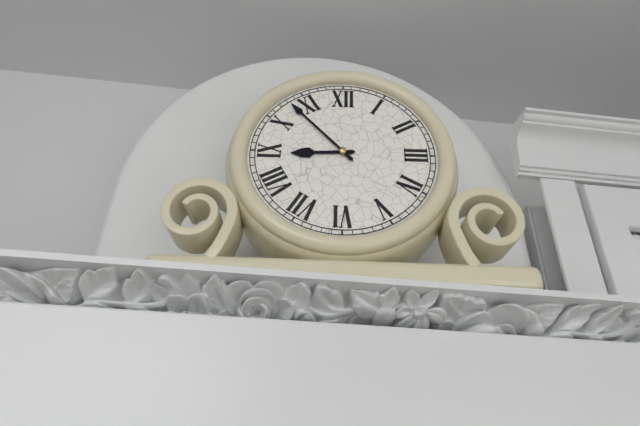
8h53
